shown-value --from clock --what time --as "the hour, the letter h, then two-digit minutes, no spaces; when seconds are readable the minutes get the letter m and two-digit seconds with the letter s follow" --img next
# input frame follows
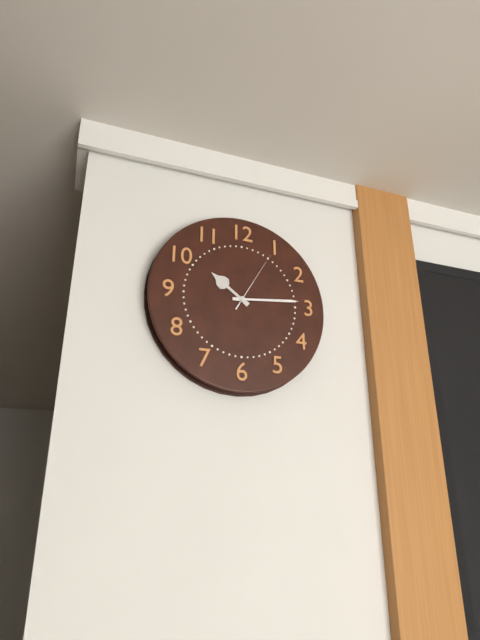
10h14m05s
